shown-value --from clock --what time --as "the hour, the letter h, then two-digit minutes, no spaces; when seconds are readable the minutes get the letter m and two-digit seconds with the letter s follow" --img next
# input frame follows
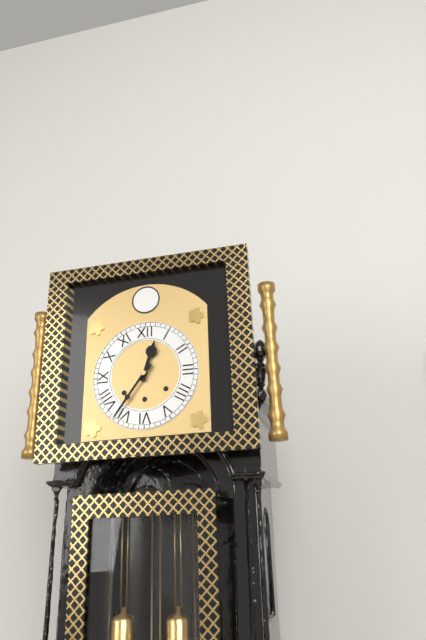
12h36
